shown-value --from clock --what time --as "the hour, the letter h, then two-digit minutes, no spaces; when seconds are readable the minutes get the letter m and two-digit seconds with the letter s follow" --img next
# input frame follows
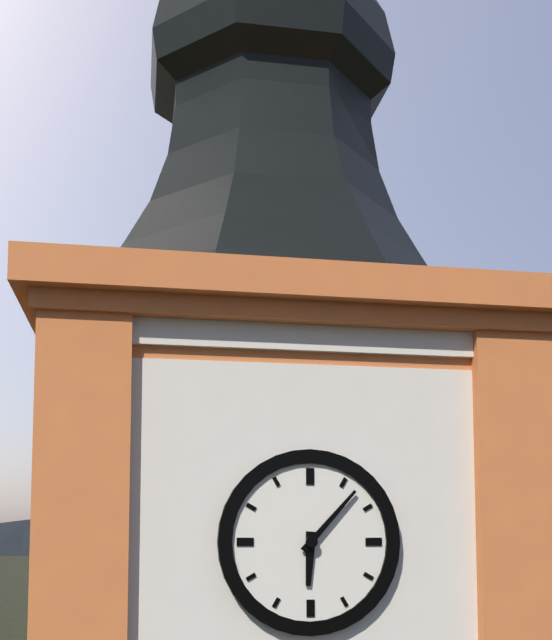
6h07
